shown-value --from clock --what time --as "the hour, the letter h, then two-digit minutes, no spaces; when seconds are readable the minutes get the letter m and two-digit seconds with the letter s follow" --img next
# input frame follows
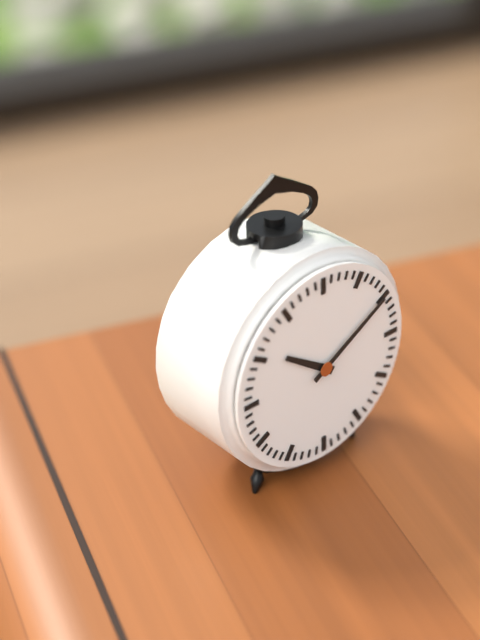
10h10
